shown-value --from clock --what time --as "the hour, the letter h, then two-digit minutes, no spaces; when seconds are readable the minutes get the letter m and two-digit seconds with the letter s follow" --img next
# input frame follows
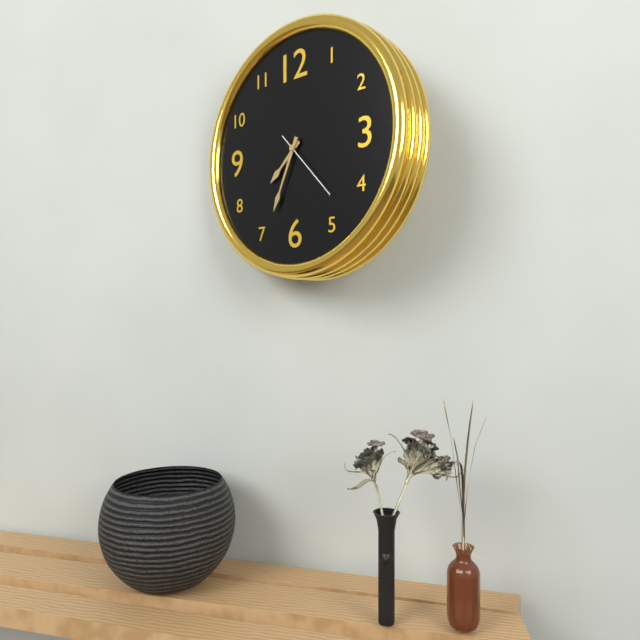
7h34m23s
